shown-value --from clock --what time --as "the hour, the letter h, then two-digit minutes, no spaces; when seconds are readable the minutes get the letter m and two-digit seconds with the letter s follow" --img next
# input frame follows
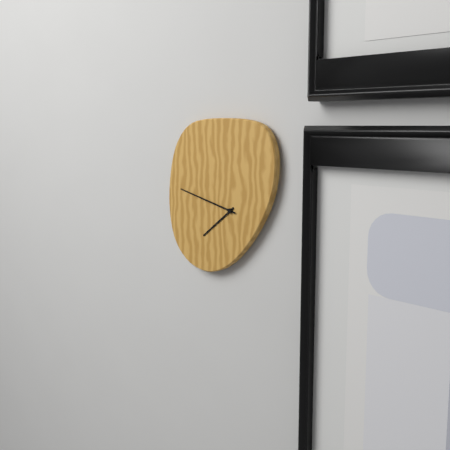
7h47
